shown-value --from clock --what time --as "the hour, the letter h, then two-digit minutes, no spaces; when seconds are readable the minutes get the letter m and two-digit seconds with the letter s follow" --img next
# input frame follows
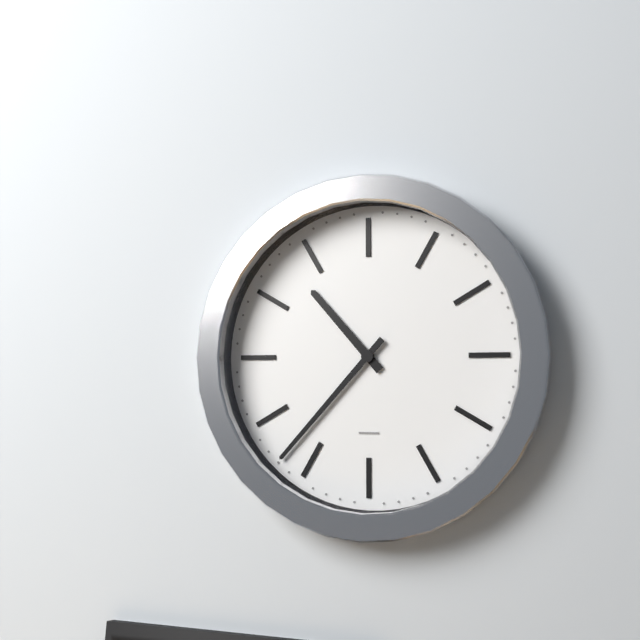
10h37
